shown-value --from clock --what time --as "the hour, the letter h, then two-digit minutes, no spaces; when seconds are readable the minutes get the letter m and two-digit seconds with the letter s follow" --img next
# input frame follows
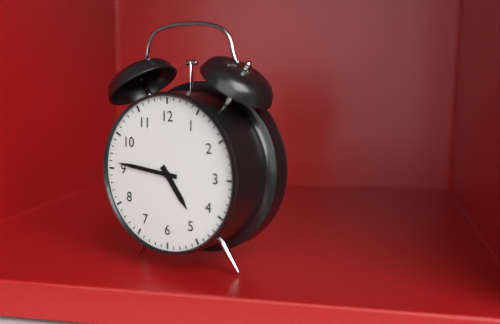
4h46
